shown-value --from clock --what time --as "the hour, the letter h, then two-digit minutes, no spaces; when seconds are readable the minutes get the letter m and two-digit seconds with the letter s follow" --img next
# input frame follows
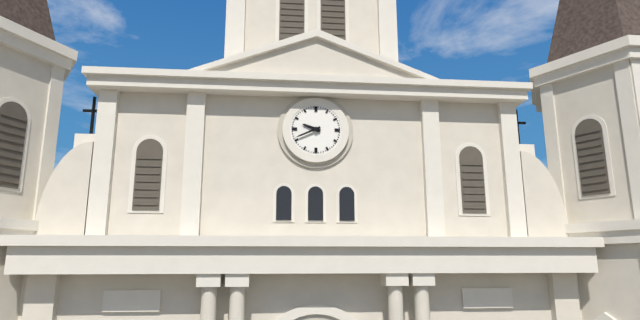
9h41
